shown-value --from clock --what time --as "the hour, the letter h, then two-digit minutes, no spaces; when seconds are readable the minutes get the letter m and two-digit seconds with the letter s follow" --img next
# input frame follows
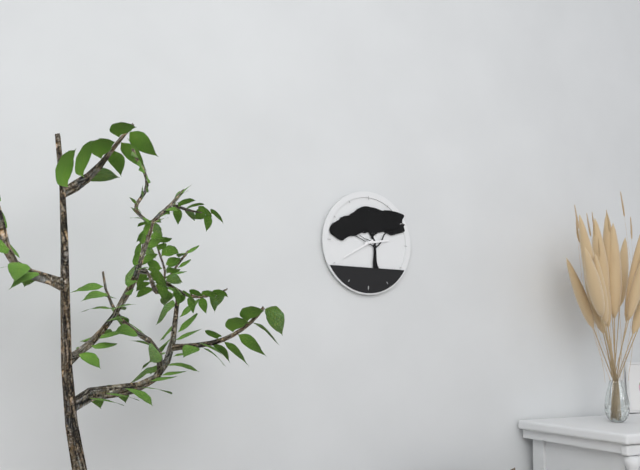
2h40
